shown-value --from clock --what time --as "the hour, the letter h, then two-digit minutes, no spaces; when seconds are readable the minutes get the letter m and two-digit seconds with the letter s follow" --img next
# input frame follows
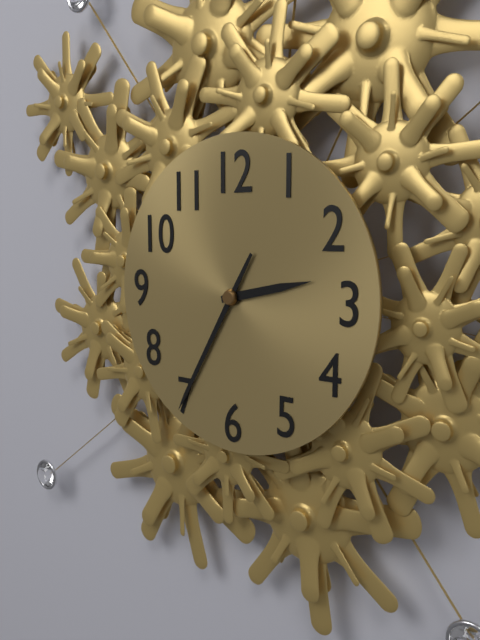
2h35
